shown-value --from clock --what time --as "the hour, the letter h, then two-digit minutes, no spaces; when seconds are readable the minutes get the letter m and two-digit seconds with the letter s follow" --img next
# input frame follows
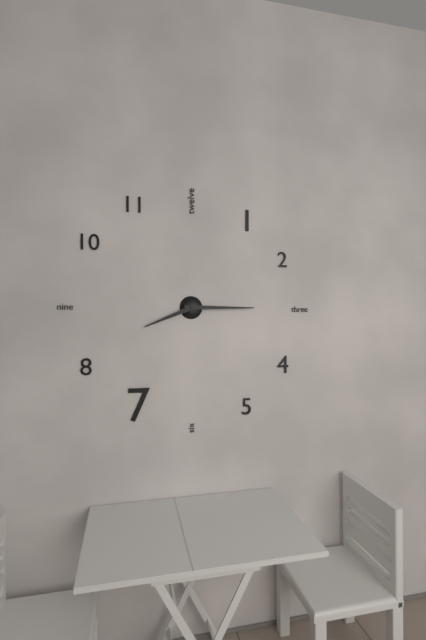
8h15
